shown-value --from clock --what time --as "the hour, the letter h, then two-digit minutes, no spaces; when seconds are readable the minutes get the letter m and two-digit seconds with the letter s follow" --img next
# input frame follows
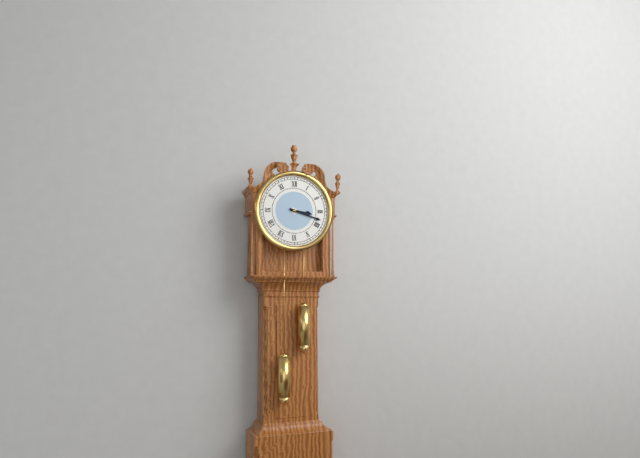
3h18
